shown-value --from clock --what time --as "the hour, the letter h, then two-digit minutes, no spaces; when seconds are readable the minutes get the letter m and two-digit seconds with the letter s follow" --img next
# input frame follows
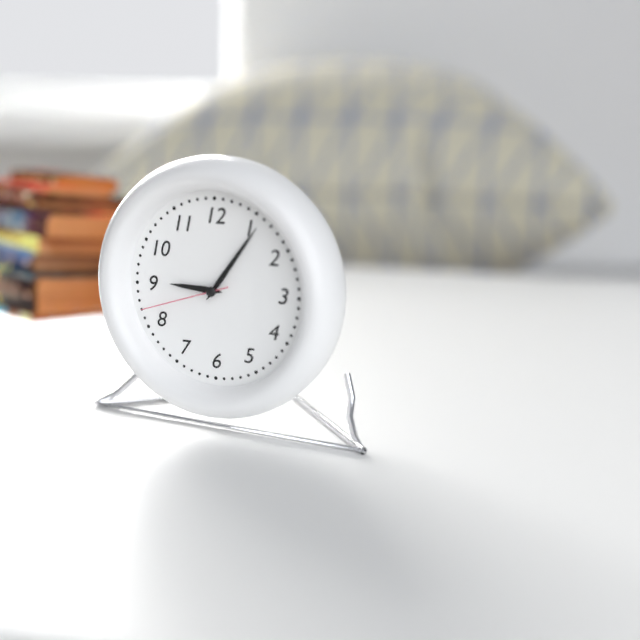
9h06m42s
